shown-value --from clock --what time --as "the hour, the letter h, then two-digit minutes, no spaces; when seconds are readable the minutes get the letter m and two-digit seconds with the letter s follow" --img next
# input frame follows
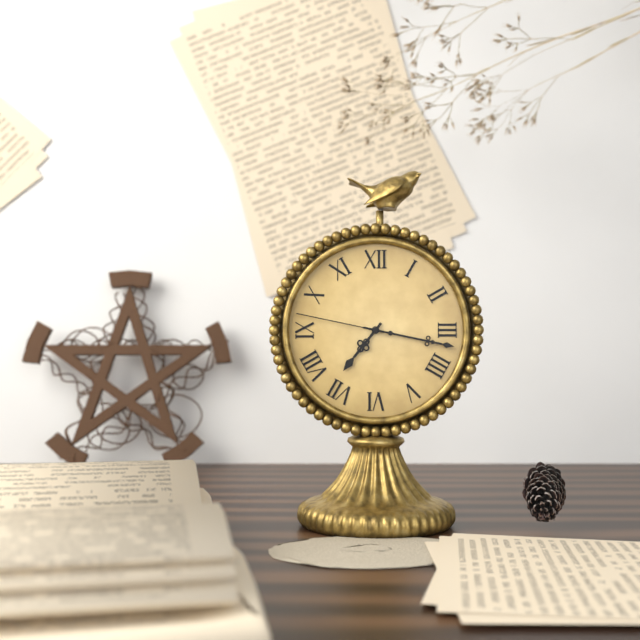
7h17m47s
